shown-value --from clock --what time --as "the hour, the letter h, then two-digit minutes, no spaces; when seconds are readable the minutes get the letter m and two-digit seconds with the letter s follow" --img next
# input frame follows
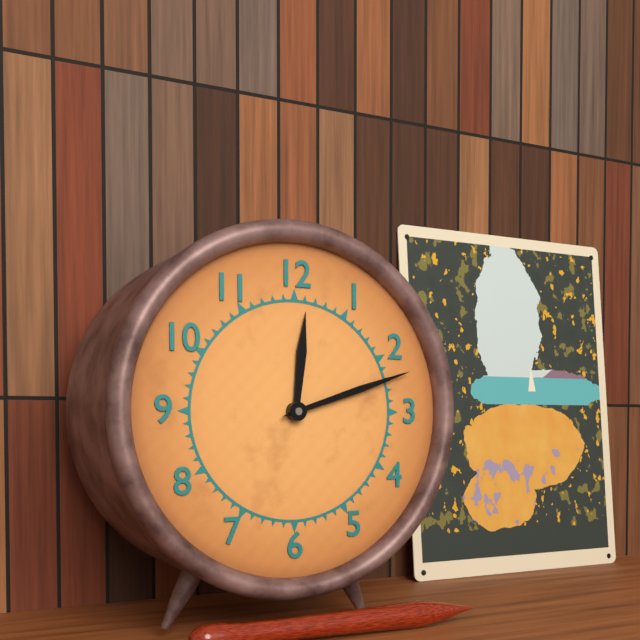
12h12
